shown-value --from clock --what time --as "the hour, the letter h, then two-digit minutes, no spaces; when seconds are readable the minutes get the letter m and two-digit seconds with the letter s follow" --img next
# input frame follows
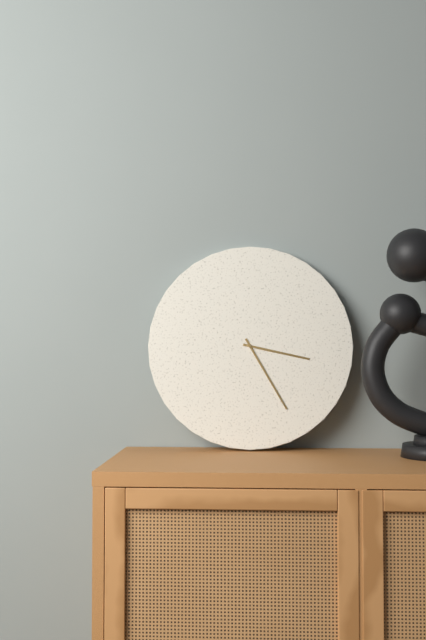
3h25
